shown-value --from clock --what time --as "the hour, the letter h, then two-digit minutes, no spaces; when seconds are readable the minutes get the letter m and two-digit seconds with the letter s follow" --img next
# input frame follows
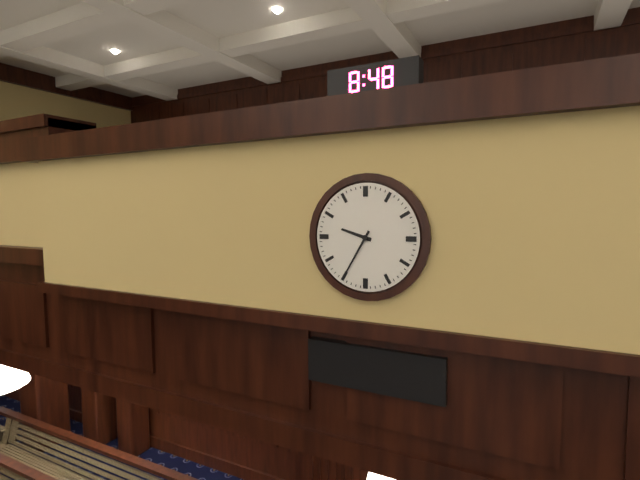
9h35
